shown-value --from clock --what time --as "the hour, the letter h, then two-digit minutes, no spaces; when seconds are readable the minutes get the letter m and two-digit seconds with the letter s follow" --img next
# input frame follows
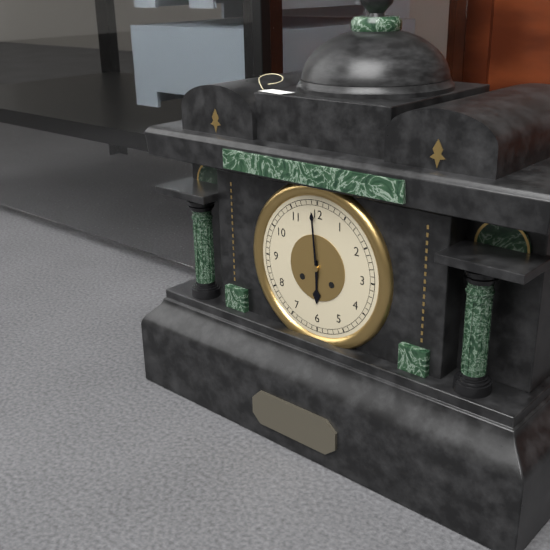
5h59
